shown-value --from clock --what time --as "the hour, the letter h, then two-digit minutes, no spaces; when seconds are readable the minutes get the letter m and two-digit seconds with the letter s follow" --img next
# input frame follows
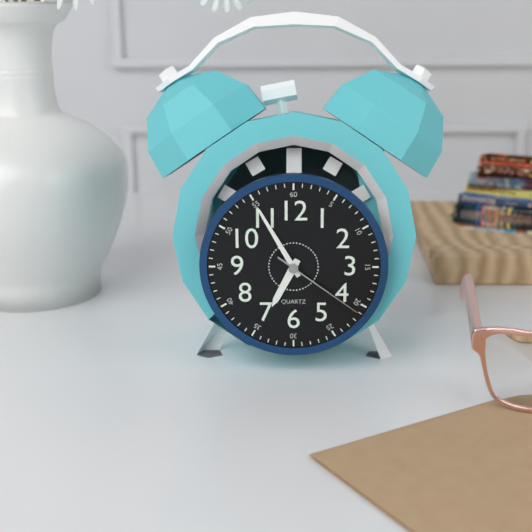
6h55m21s
